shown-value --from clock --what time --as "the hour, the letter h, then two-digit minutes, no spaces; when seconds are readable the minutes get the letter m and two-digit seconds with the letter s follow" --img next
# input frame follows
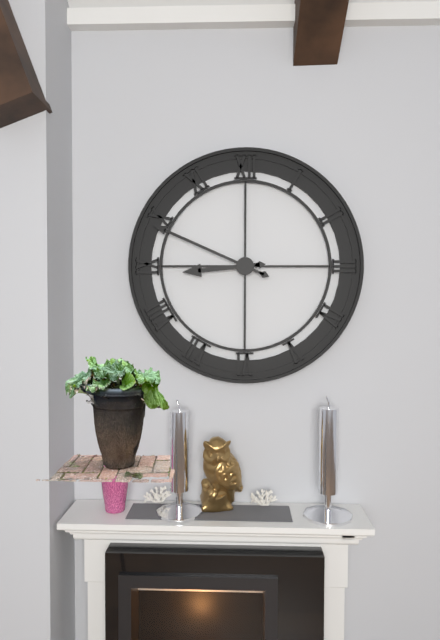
8h49
